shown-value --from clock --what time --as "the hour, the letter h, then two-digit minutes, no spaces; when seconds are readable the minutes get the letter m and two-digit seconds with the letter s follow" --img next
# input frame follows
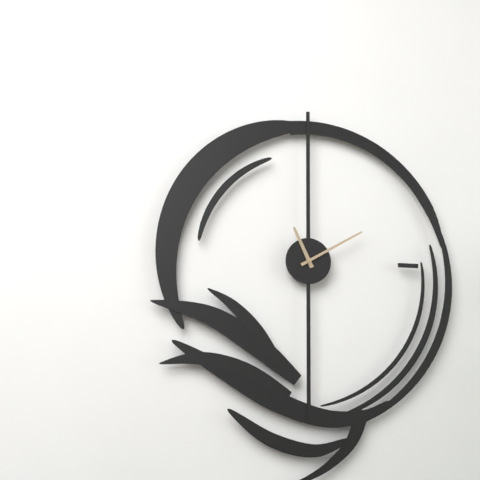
11h10
